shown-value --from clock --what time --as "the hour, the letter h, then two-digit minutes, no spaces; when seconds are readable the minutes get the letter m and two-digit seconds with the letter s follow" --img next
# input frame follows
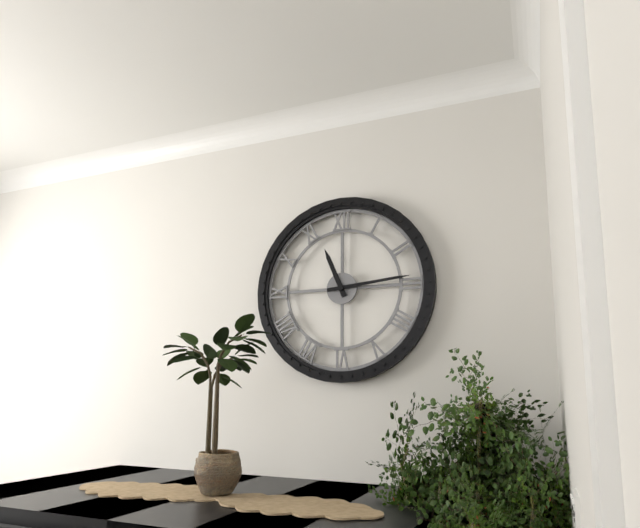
11h14
